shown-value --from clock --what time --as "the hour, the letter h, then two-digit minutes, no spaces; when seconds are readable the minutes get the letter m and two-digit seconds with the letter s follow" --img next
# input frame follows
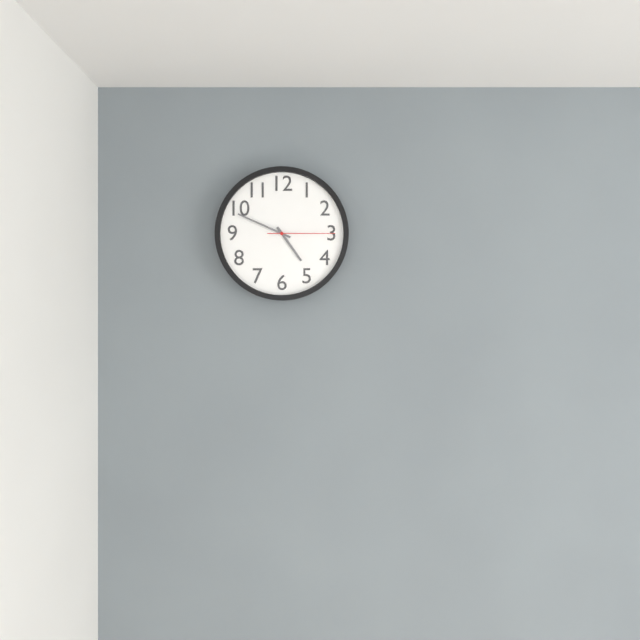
4h49m15s
